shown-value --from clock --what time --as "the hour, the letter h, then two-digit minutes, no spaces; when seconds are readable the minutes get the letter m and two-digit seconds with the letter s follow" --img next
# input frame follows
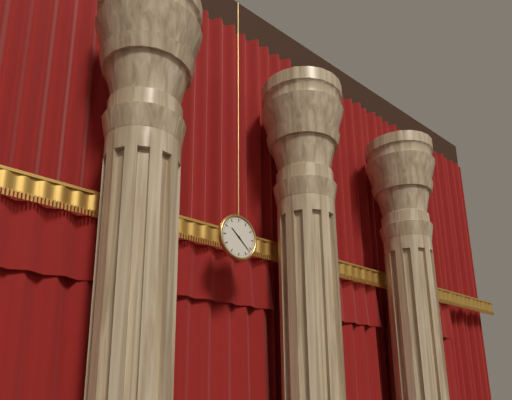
10h22
